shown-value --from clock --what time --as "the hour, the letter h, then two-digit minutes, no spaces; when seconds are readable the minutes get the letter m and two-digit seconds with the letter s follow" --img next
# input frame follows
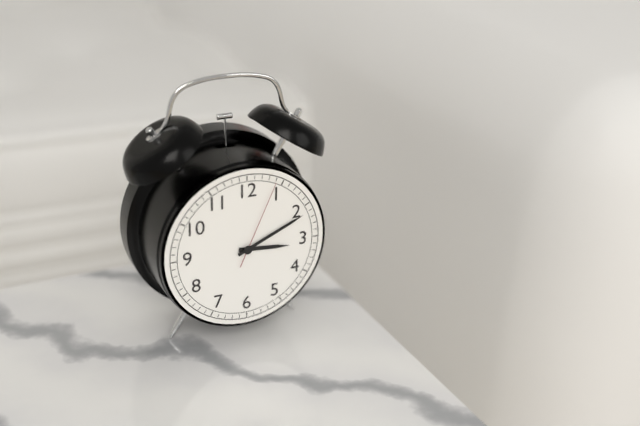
3h11m04s
